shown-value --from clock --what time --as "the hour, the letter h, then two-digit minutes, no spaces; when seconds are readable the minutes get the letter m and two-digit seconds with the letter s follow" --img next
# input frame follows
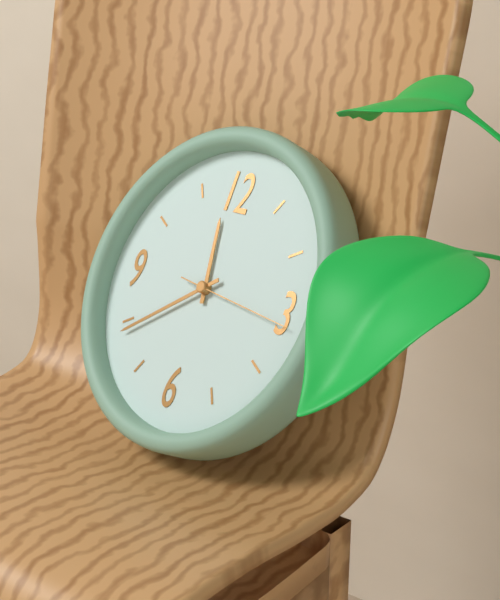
11h39m16s
